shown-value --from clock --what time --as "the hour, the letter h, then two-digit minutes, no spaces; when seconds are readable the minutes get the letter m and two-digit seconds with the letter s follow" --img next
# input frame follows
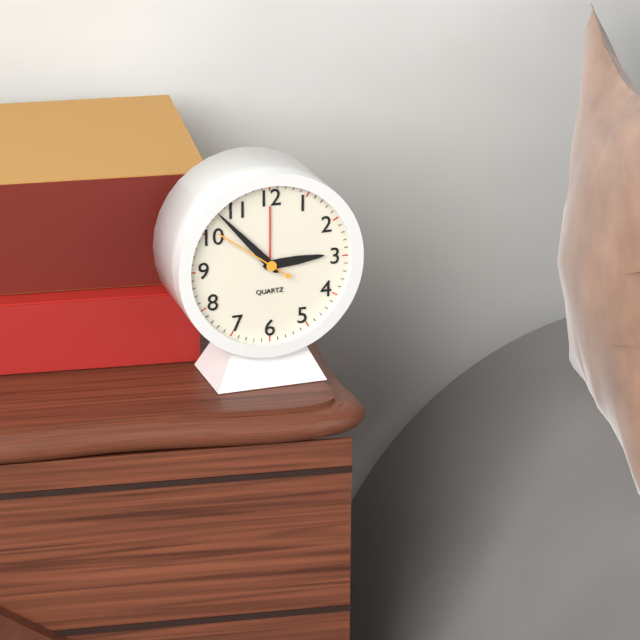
2h53m51s
